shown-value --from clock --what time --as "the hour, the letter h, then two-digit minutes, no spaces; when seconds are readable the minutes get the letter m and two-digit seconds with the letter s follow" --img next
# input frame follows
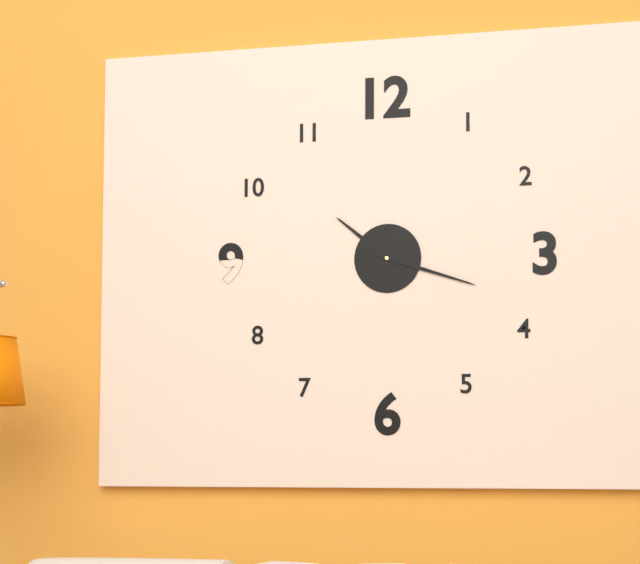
10h18
